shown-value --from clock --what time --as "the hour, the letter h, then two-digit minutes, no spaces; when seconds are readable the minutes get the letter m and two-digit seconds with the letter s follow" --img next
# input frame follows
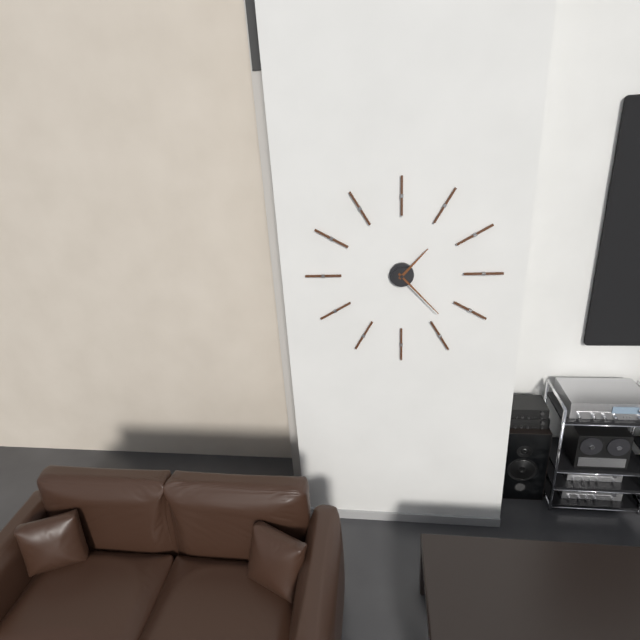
1h23
